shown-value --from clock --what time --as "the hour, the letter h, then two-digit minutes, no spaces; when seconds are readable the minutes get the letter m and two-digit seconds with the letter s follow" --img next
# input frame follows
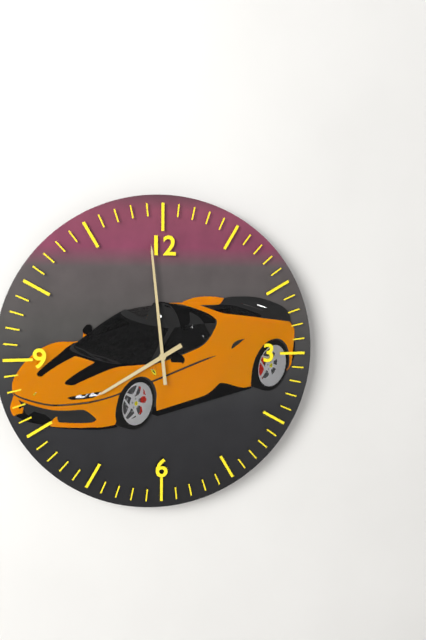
7h59
